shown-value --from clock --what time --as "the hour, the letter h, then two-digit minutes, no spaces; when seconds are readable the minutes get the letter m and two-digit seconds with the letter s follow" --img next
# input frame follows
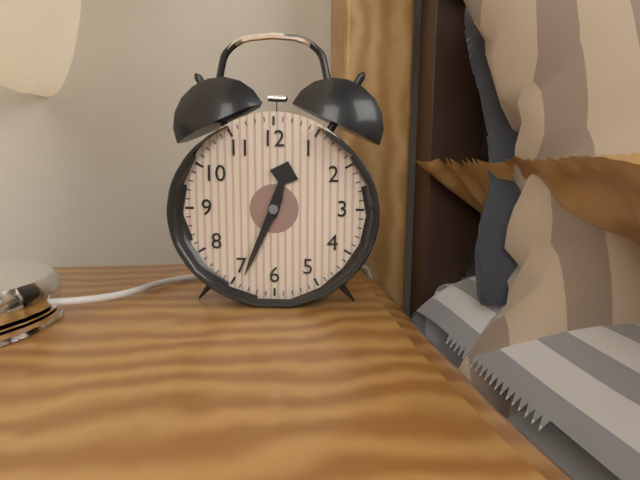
12h34
